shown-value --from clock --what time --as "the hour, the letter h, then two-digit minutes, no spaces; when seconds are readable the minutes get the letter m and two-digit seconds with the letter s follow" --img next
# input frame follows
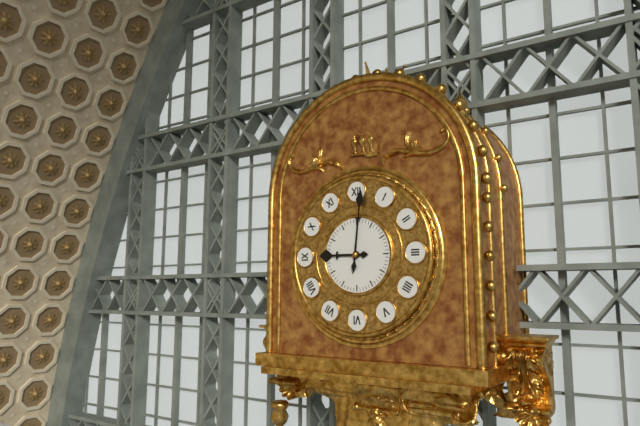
9h01
